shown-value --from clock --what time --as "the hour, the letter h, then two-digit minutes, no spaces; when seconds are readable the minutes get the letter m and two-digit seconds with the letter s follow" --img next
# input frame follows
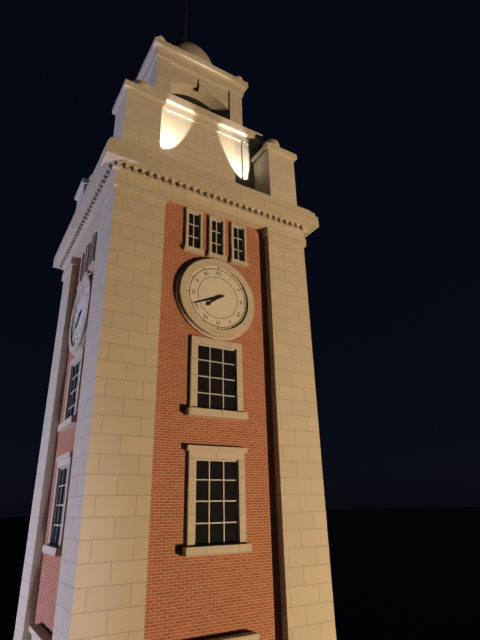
7h41
